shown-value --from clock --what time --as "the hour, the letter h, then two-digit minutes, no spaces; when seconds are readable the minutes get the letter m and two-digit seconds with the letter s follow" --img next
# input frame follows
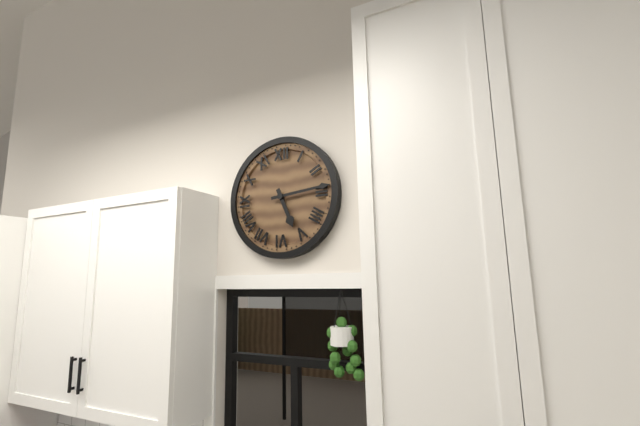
5h14
